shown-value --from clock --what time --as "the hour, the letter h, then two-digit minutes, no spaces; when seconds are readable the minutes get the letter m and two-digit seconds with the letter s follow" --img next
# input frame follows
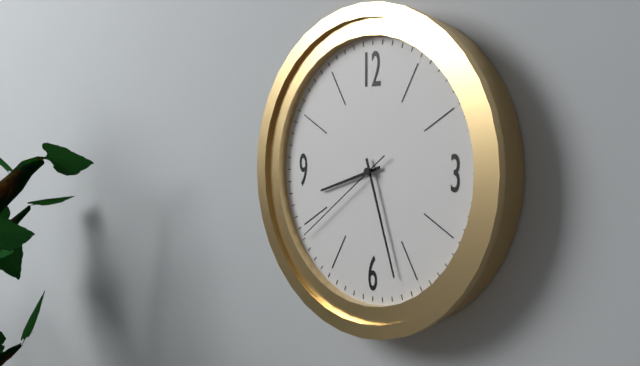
8h27m39s
